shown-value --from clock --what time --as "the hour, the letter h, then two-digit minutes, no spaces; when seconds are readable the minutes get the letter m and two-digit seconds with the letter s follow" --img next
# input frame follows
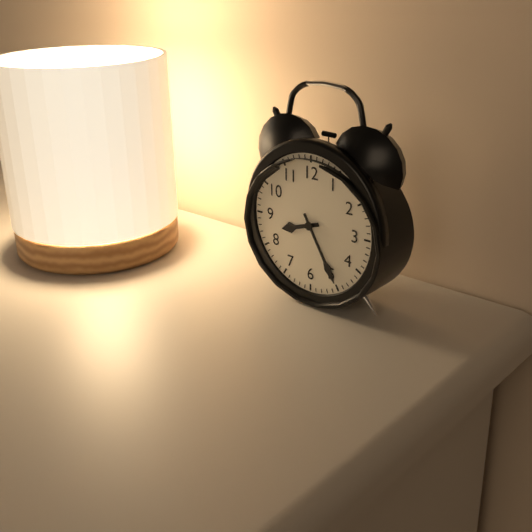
8h25
